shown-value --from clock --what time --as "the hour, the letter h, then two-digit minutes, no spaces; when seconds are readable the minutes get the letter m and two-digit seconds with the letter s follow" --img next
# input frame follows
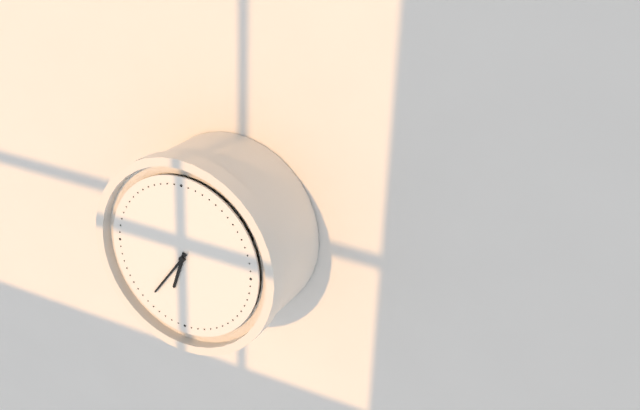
6h36
